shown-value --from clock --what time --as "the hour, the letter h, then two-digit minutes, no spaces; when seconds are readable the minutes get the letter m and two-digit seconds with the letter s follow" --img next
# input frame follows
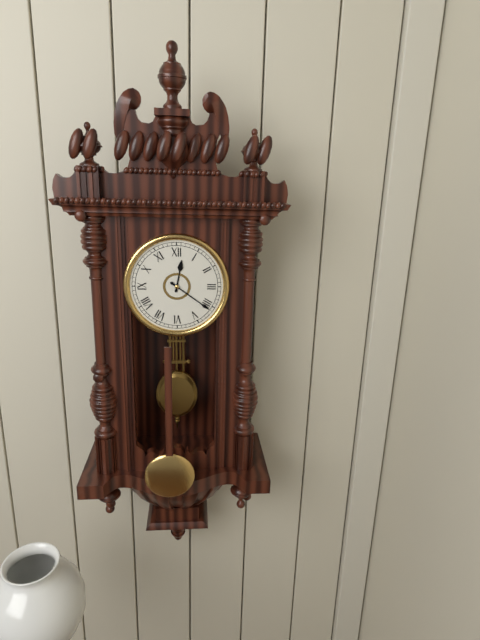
12h21
